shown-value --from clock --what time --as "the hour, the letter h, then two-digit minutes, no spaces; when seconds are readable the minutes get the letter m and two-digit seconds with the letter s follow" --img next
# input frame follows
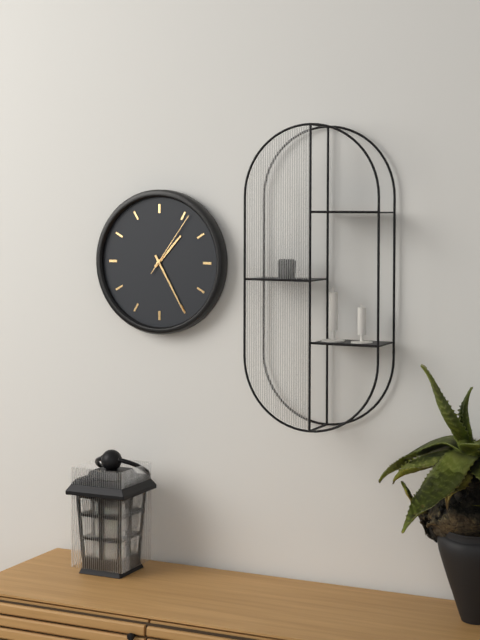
1h25m06s
